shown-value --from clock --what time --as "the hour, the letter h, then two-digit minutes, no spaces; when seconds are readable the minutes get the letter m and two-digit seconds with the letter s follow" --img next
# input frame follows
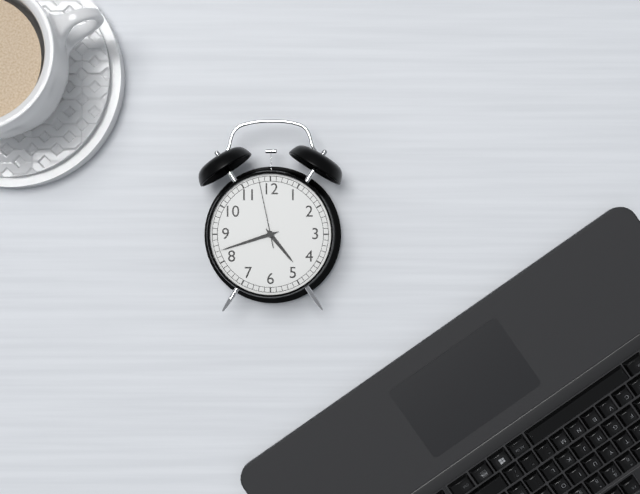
4h42m58s
